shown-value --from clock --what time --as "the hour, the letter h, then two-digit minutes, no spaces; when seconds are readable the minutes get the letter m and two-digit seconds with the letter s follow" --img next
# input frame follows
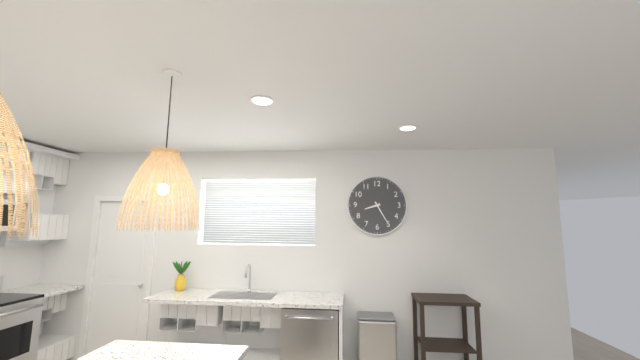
8h25
